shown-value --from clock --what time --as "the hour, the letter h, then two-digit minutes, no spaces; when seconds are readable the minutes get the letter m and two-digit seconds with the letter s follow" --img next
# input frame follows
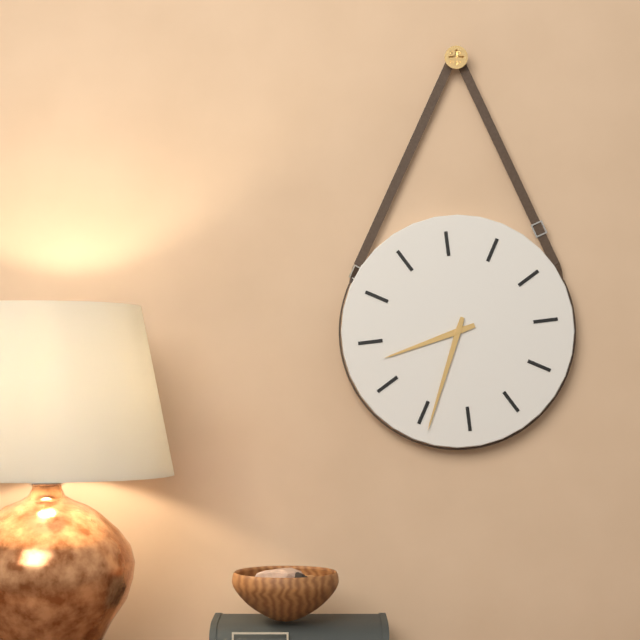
8h34
